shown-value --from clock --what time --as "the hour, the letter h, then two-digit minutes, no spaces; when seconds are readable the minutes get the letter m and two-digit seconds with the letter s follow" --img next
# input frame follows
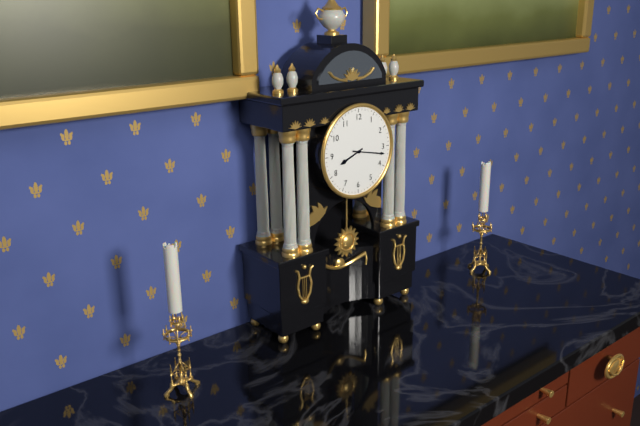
8h17
